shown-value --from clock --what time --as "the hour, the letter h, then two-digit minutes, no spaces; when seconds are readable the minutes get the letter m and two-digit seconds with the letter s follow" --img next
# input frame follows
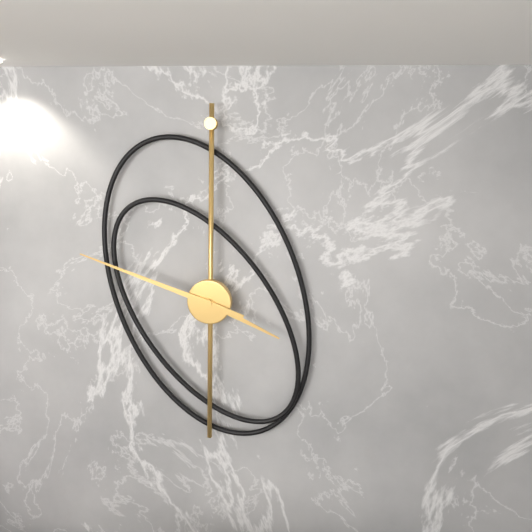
3h48
